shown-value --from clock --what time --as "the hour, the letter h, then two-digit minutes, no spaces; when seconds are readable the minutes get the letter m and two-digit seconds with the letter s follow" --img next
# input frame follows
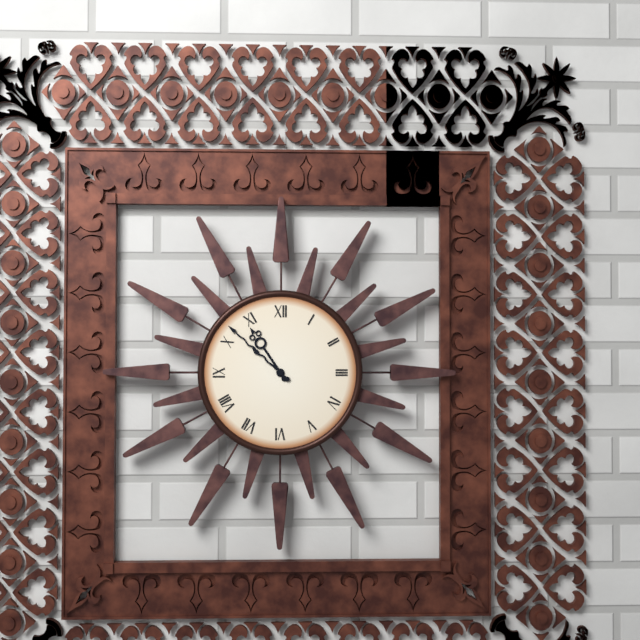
10h52
